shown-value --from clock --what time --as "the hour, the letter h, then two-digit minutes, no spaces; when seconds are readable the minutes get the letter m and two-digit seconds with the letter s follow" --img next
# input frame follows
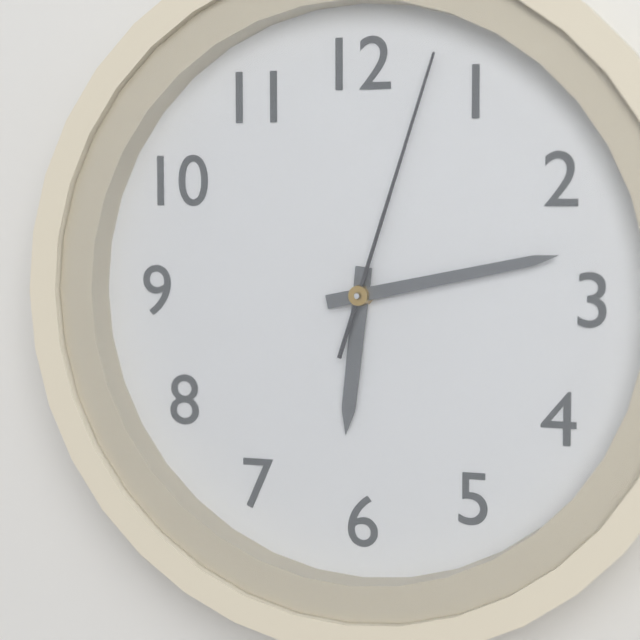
6h13m03s
